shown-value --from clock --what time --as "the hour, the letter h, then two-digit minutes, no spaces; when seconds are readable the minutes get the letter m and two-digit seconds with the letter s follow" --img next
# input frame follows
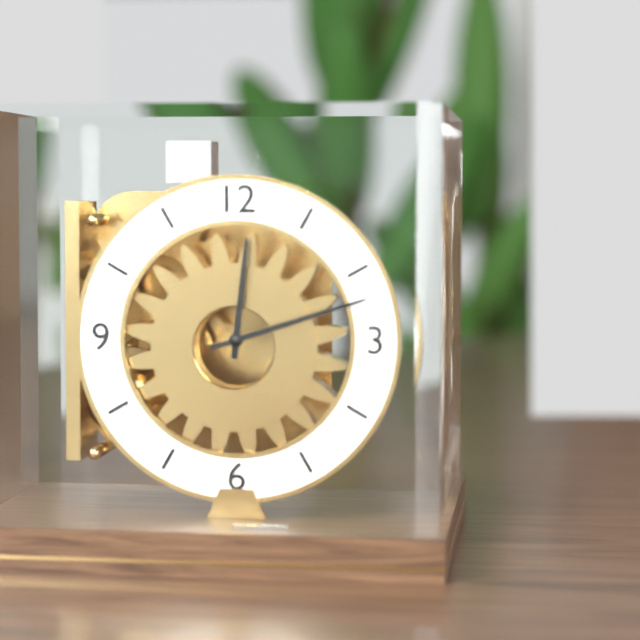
12h12
